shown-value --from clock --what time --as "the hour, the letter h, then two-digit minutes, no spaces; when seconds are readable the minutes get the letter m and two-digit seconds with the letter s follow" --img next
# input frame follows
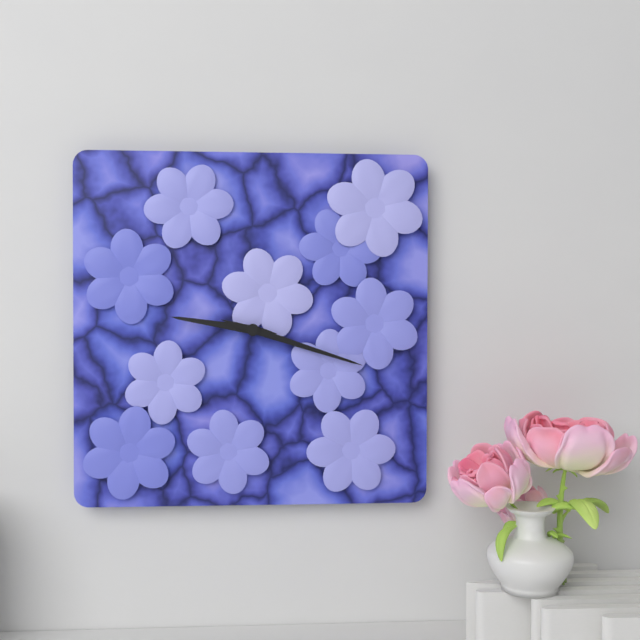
9h18
